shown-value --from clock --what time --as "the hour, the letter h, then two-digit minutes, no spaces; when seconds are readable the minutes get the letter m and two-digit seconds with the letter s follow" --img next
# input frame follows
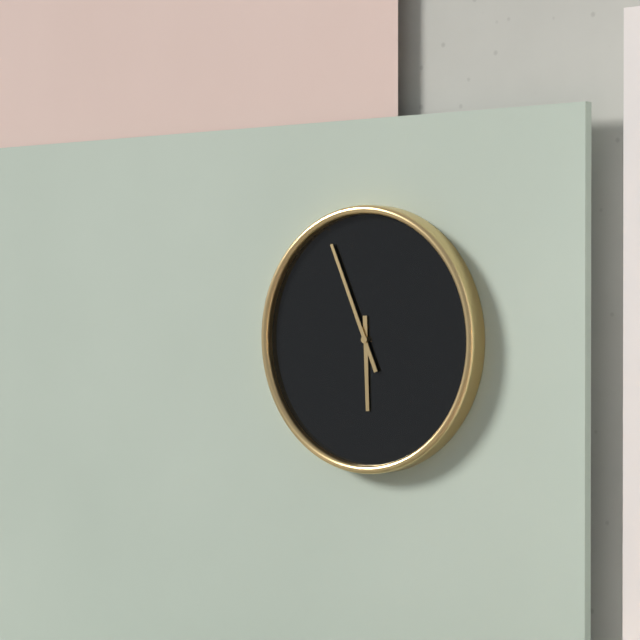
5h56
